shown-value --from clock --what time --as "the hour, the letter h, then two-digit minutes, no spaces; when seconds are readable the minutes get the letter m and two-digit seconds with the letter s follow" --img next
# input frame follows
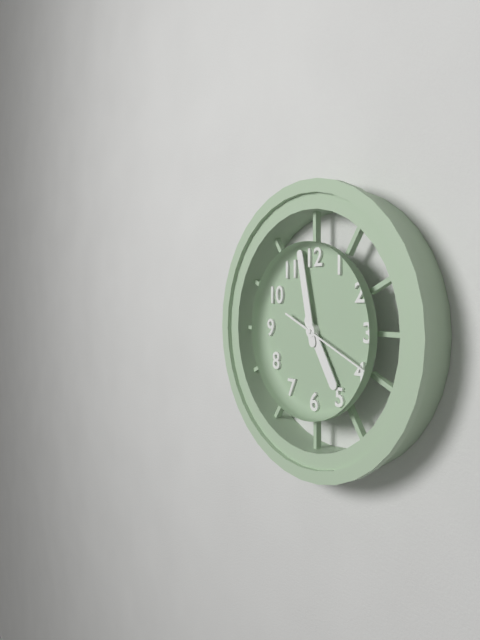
4h58m19s
